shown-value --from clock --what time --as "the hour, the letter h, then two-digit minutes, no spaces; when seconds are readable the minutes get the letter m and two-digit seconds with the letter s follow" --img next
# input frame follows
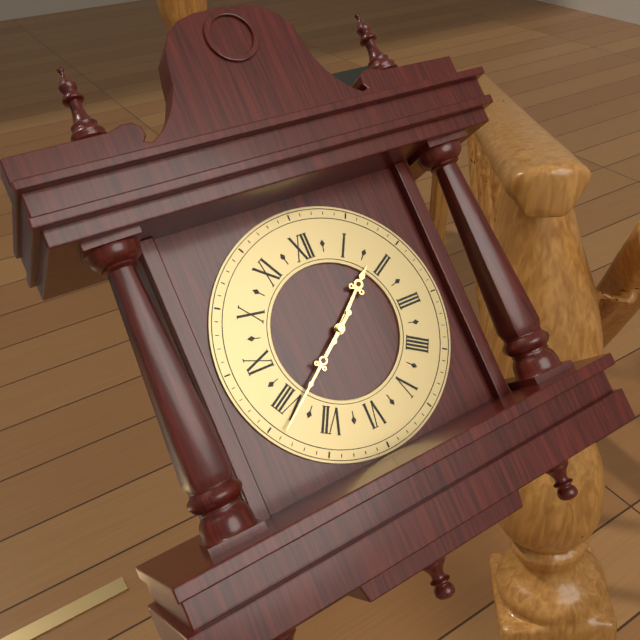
1h39
